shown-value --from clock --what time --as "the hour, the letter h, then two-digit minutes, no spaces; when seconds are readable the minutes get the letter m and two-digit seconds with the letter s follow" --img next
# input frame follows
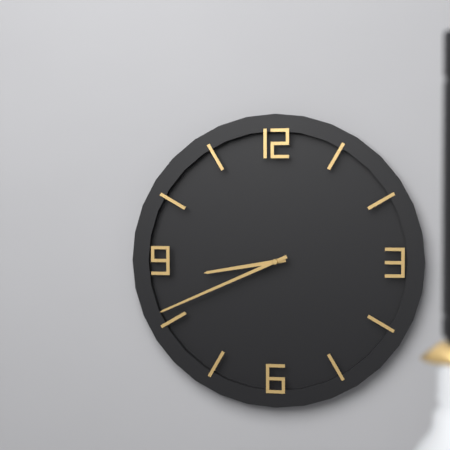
8h41
